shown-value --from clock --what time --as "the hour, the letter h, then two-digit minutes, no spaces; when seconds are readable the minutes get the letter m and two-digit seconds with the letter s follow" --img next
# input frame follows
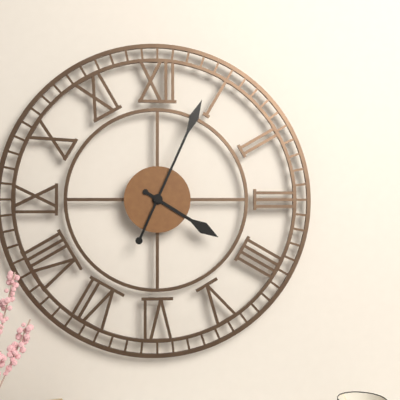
4h04
